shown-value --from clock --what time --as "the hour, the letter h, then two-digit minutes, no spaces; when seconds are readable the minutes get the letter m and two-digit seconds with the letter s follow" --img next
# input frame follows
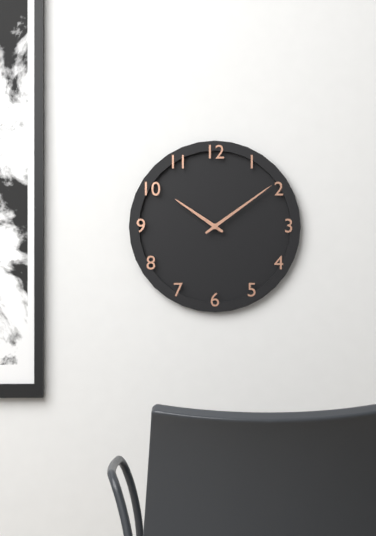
10h09
